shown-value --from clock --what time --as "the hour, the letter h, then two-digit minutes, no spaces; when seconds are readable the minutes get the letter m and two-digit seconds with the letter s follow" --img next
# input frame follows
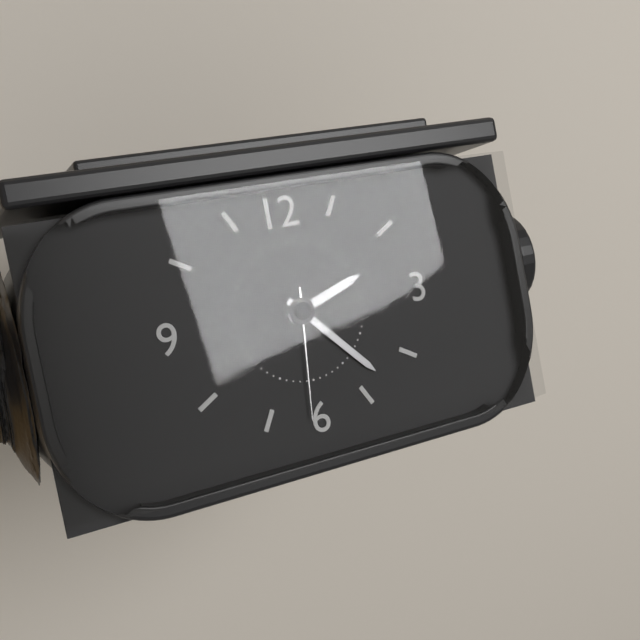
2h23m31s
